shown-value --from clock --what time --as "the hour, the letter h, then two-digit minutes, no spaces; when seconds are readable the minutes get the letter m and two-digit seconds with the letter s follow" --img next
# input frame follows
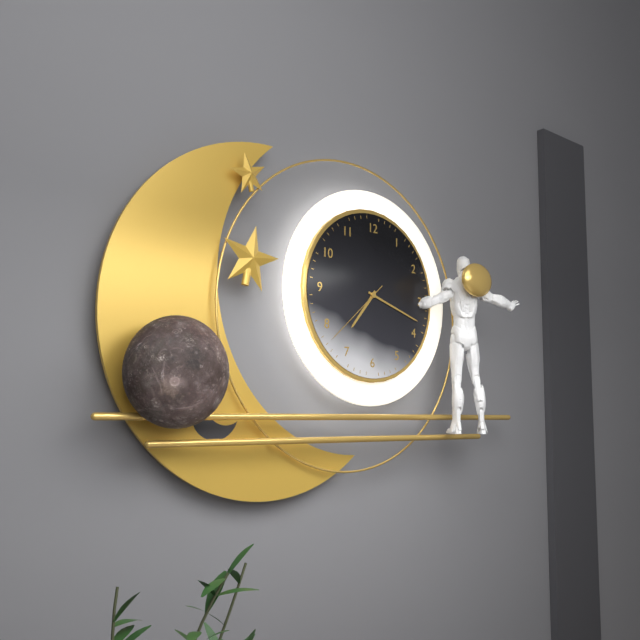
7h18m38s
